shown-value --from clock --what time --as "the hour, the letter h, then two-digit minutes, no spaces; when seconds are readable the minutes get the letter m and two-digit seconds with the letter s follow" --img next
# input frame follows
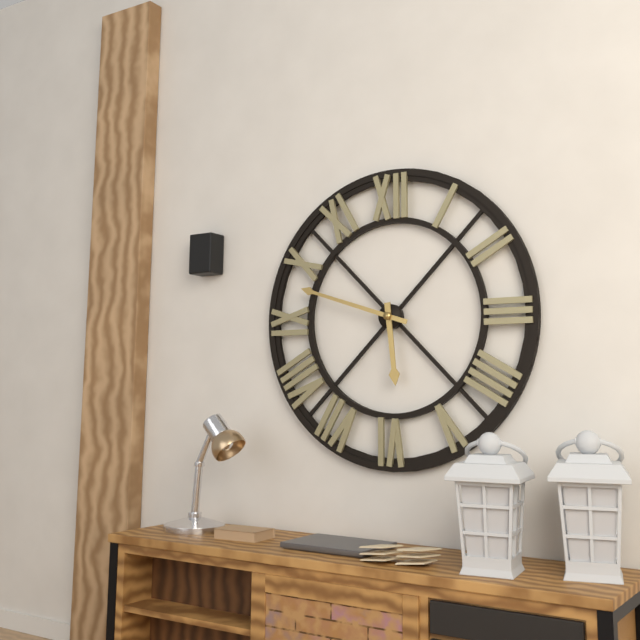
5h48
